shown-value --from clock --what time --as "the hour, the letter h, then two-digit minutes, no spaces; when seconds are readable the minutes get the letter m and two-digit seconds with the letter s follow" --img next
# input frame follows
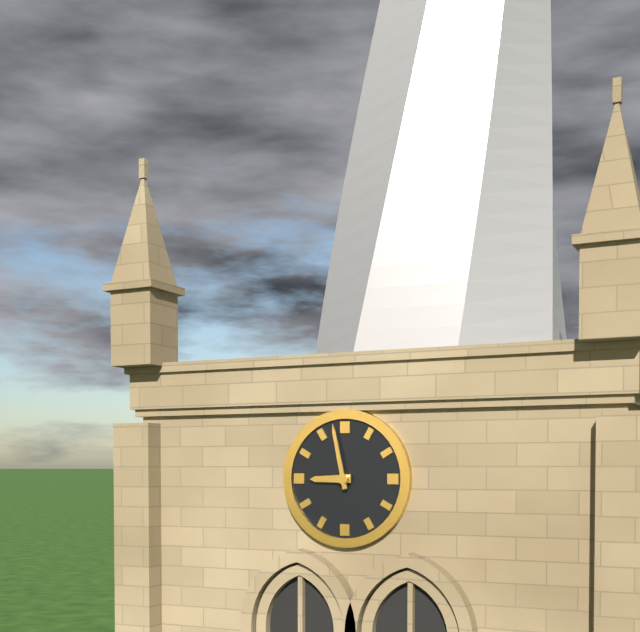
8h58
